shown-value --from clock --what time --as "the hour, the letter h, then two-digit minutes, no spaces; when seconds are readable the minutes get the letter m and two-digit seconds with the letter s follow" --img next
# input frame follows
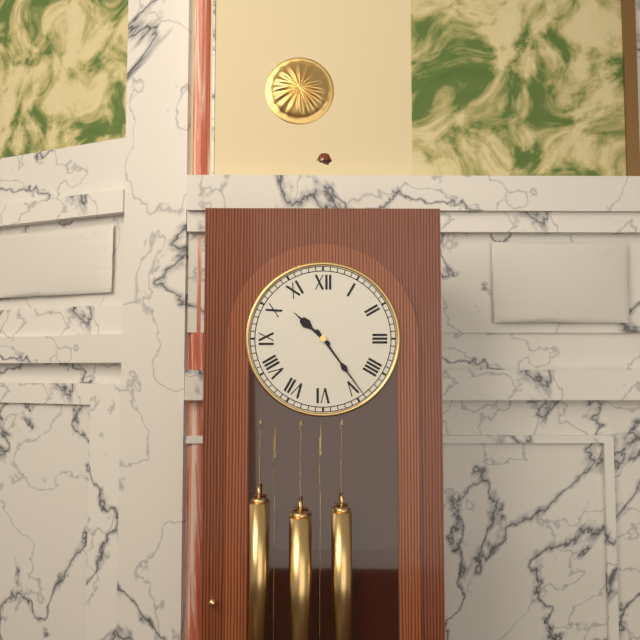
10h24
